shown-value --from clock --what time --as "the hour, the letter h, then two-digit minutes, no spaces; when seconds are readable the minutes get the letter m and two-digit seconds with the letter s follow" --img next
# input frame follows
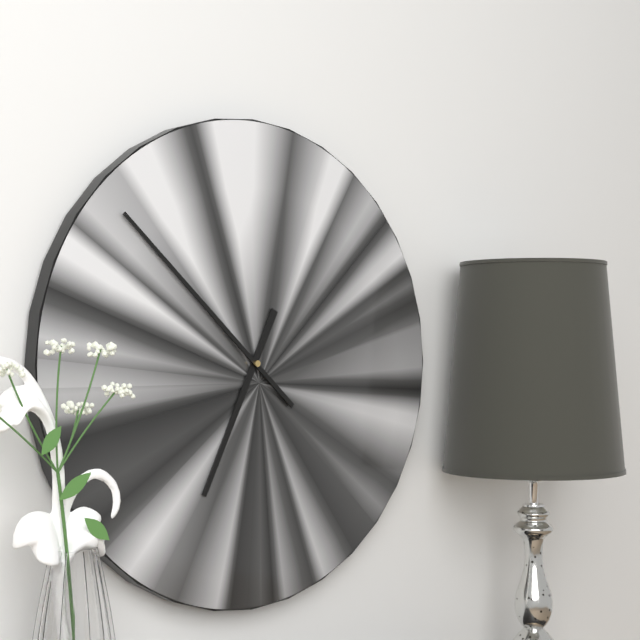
6h52
